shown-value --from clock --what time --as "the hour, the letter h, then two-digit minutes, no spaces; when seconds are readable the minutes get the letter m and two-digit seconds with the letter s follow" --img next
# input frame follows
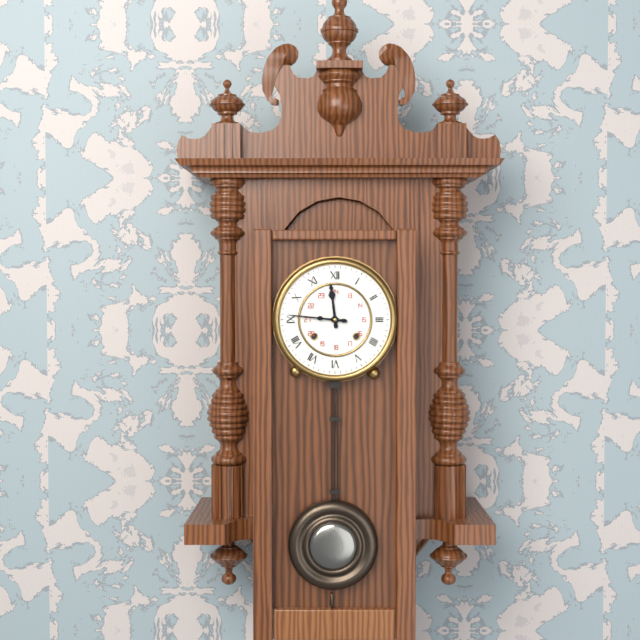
11h46
